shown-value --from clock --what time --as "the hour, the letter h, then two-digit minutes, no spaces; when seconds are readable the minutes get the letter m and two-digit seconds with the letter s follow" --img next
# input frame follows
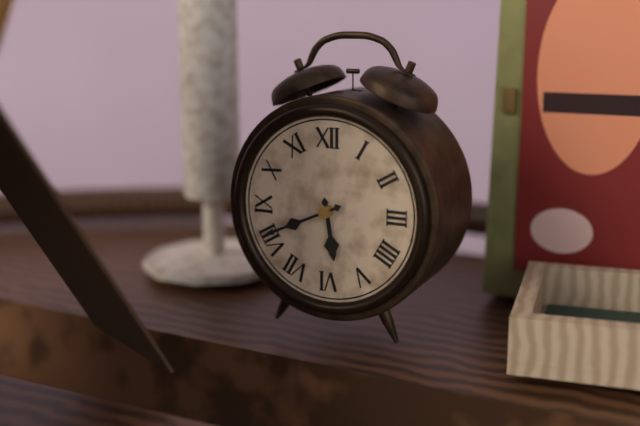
5h41
